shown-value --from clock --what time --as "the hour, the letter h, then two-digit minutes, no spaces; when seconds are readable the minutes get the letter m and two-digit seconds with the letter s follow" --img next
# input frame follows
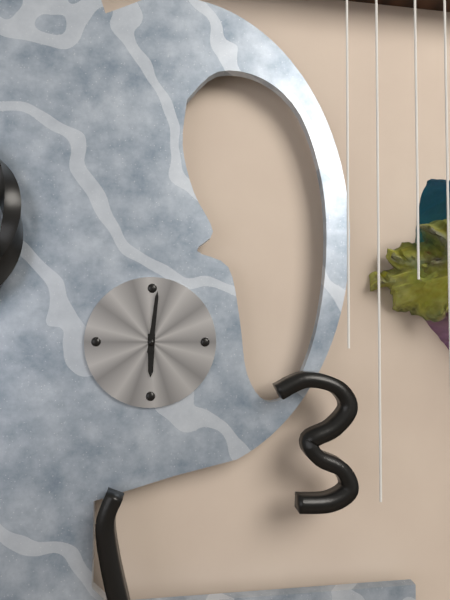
6h01
